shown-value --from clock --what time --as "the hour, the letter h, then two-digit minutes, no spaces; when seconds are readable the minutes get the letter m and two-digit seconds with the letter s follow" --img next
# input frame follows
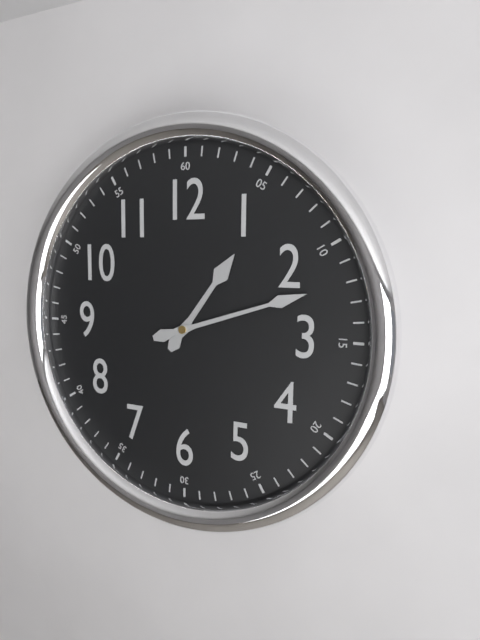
1h12
